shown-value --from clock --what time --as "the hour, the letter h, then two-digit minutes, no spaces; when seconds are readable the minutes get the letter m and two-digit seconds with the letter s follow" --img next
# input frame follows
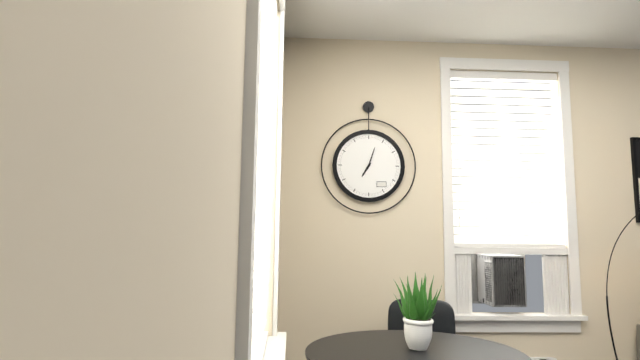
7h03
